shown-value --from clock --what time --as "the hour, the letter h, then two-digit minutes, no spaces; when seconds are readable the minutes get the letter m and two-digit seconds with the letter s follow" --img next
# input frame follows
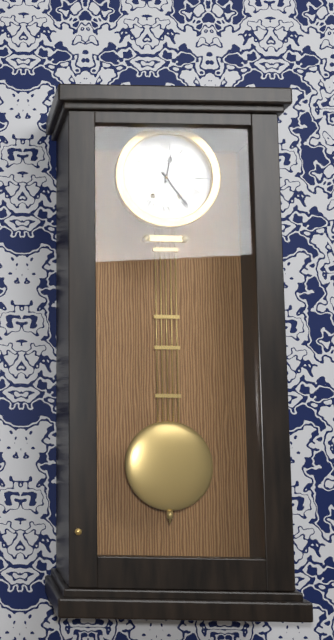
12h24
